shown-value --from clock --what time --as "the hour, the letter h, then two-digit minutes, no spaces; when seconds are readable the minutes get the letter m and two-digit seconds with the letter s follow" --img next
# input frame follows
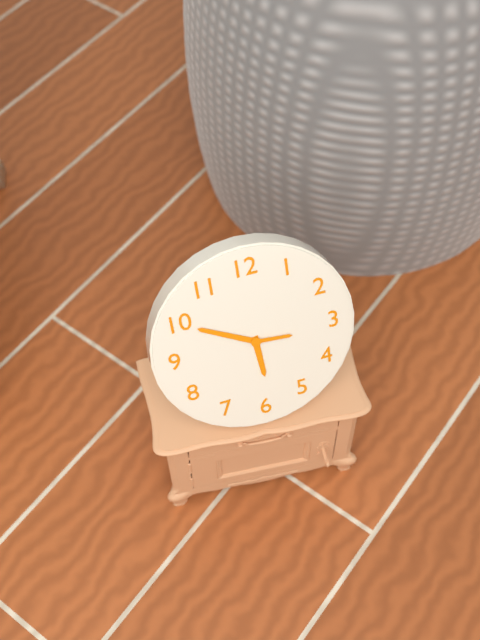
5h50
